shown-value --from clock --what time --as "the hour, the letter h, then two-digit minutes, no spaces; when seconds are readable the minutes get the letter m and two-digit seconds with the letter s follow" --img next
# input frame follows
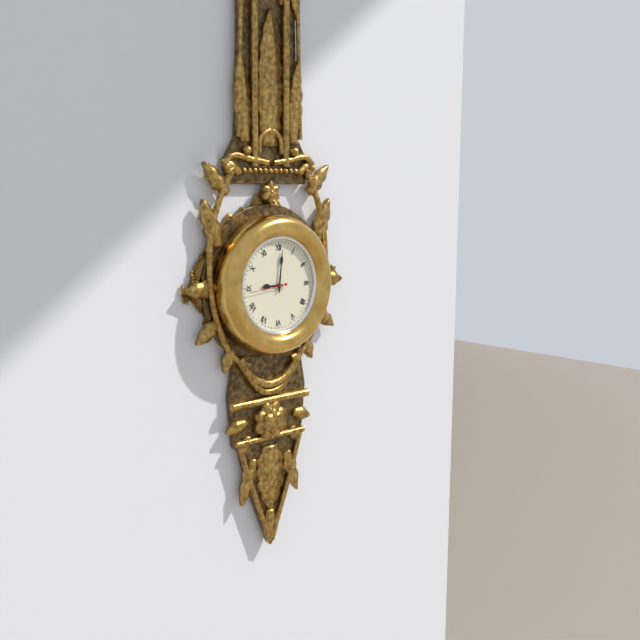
9h01
